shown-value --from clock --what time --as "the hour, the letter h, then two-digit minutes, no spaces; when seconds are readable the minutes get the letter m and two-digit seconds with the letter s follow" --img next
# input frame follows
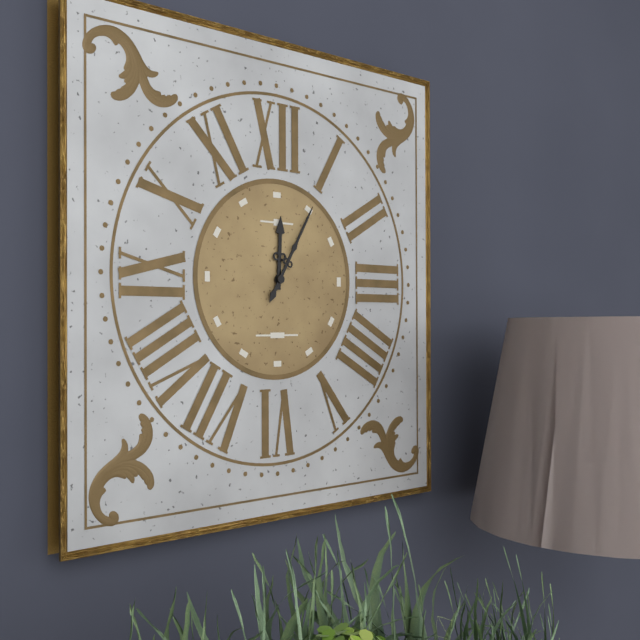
12h05
